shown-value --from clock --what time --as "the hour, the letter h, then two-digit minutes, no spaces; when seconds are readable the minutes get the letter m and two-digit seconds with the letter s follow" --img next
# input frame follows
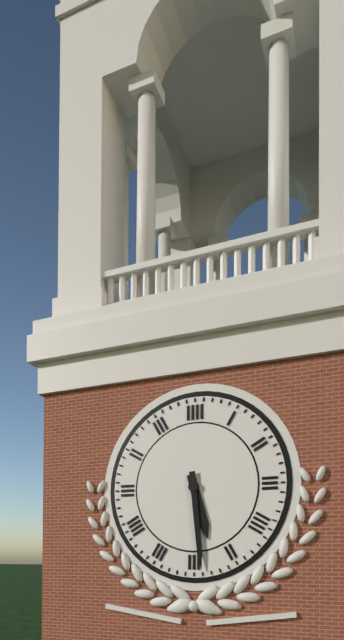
5h29
